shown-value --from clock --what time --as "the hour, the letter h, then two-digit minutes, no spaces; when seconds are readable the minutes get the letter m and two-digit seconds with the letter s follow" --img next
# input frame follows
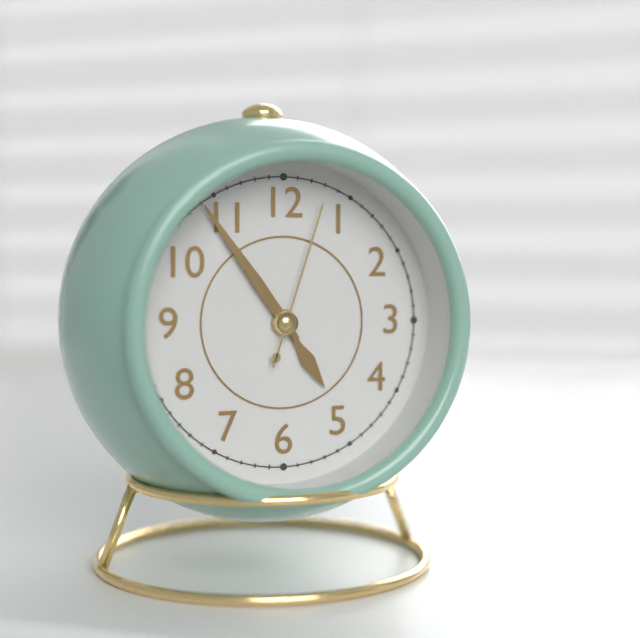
4h54m03s
